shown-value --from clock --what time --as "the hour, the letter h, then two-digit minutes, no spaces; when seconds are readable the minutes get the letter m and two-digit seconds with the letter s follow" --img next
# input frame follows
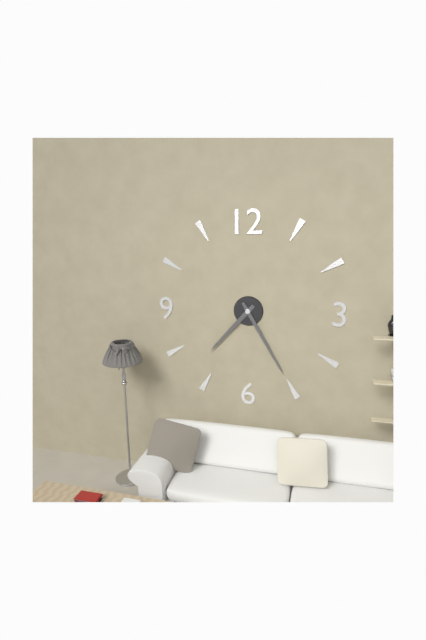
7h25
